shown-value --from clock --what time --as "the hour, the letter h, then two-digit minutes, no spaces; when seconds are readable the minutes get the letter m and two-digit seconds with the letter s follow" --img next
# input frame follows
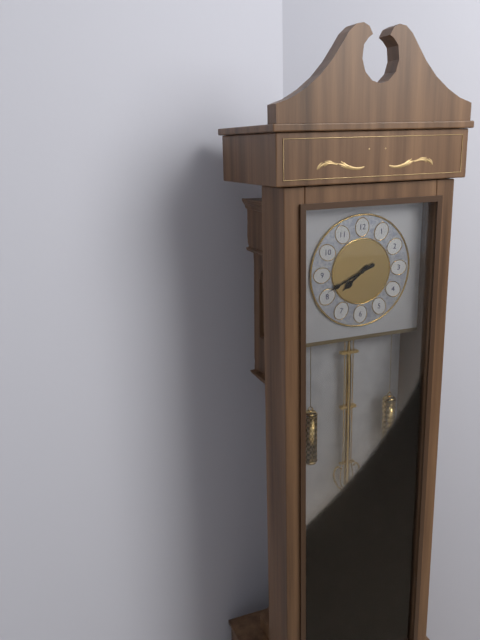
7h41
